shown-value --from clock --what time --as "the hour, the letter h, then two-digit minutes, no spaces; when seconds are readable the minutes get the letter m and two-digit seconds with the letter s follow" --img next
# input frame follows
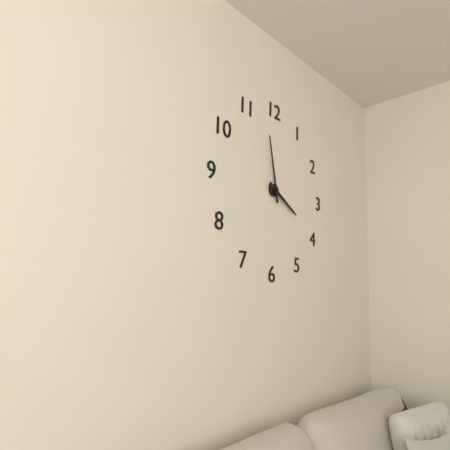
3h58
